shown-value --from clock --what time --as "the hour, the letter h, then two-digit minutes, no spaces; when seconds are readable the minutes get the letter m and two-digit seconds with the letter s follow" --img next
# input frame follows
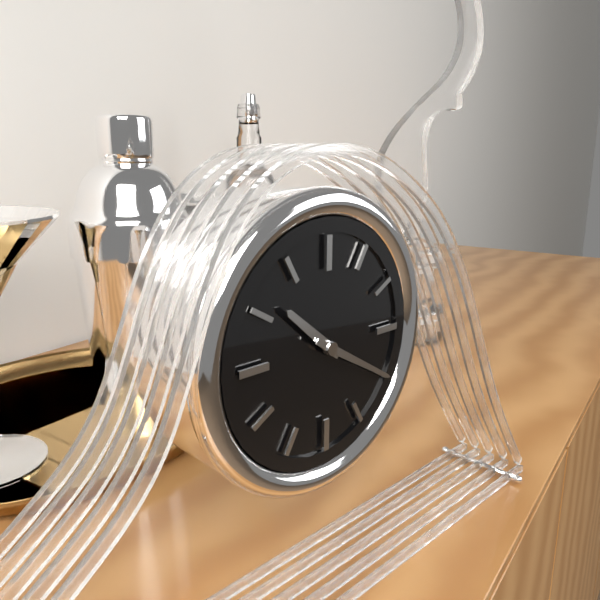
10h20
